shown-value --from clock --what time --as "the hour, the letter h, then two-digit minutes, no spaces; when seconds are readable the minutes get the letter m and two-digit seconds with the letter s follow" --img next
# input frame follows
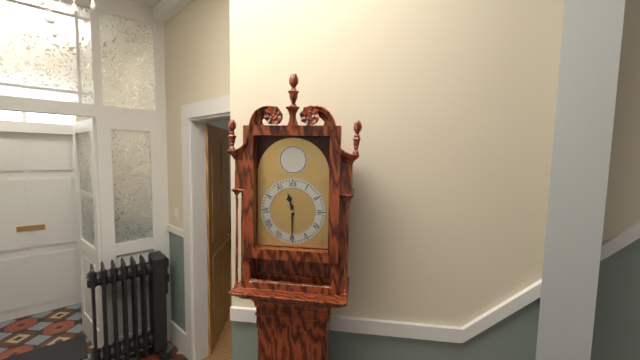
11h30
